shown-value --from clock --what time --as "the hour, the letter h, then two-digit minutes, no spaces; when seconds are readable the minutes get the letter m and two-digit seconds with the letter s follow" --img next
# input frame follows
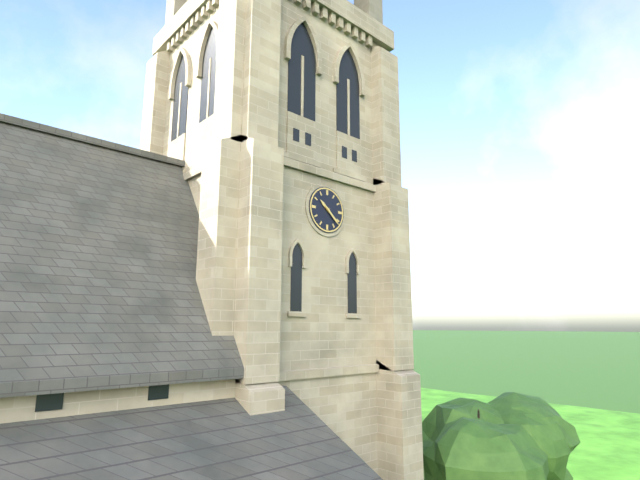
10h22
